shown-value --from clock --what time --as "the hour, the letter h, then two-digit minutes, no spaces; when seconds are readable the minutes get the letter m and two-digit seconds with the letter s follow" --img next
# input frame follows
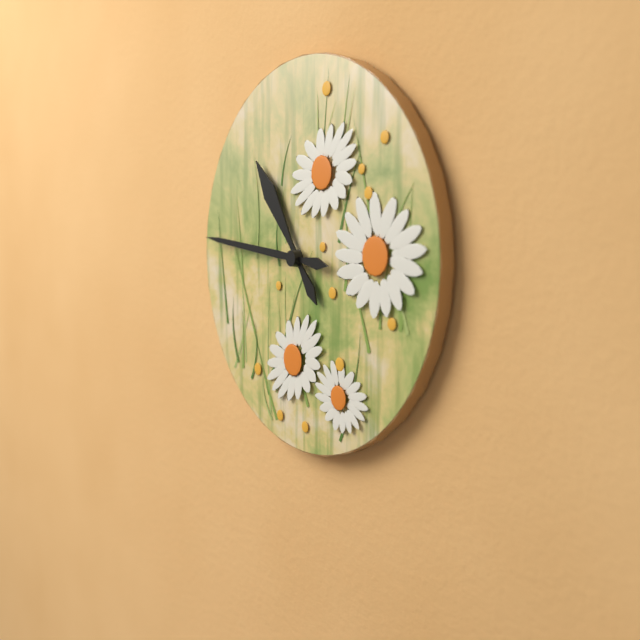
10h46
